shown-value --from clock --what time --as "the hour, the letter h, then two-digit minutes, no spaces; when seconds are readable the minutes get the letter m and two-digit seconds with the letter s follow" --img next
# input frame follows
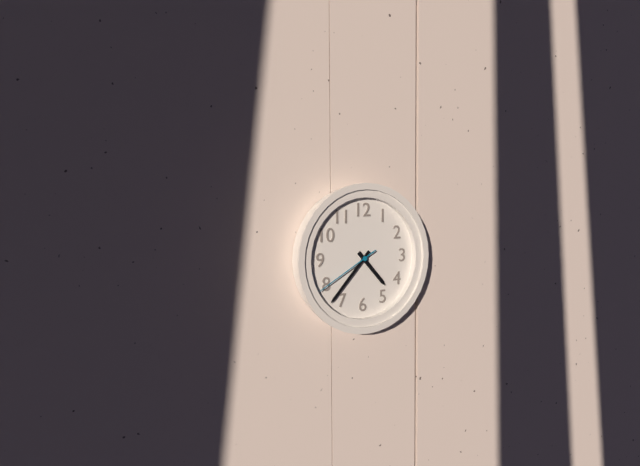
4h37m40s
